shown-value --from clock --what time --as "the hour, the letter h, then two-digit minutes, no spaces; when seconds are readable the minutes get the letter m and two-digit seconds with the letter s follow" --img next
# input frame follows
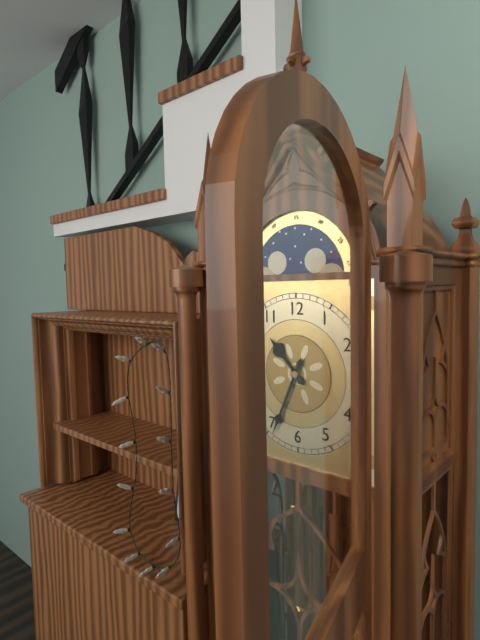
10h34
